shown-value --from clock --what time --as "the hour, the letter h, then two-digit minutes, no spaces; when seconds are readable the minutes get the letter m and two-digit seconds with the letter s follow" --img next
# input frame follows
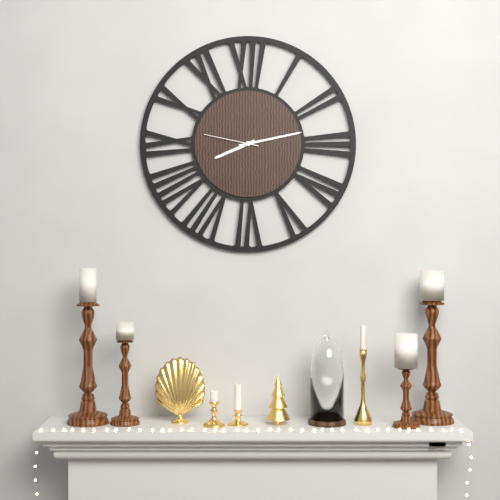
8h13m47s
